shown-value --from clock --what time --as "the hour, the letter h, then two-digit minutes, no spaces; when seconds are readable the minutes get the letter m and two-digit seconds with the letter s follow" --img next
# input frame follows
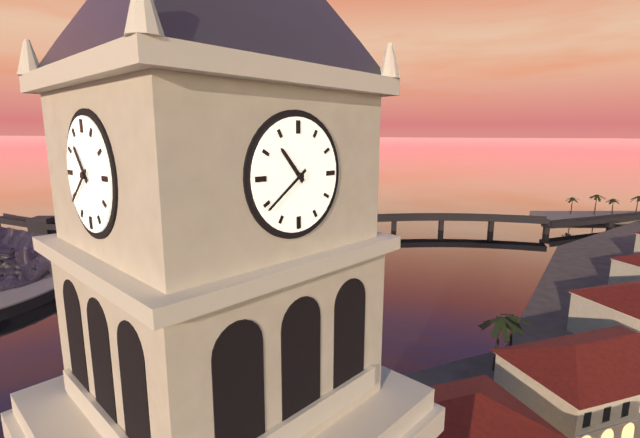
10h39
